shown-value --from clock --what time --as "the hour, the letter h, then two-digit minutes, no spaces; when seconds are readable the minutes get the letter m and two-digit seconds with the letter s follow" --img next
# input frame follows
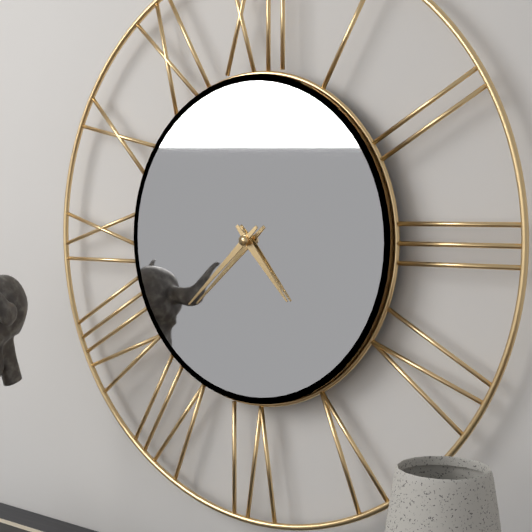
4h38
